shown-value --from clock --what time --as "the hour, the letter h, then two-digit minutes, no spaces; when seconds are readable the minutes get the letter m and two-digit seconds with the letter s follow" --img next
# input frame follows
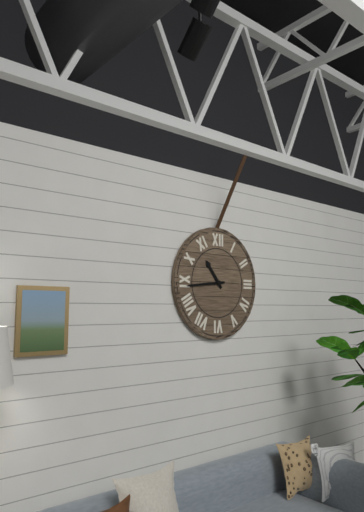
10h44
